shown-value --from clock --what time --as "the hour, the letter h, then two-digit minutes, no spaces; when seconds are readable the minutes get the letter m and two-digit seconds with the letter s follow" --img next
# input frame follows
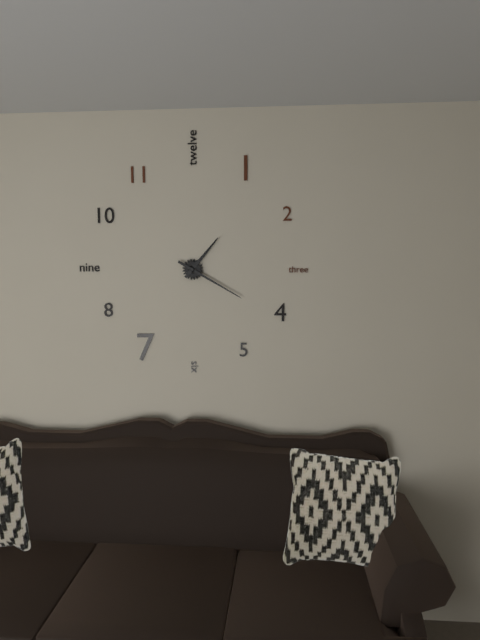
1h20
